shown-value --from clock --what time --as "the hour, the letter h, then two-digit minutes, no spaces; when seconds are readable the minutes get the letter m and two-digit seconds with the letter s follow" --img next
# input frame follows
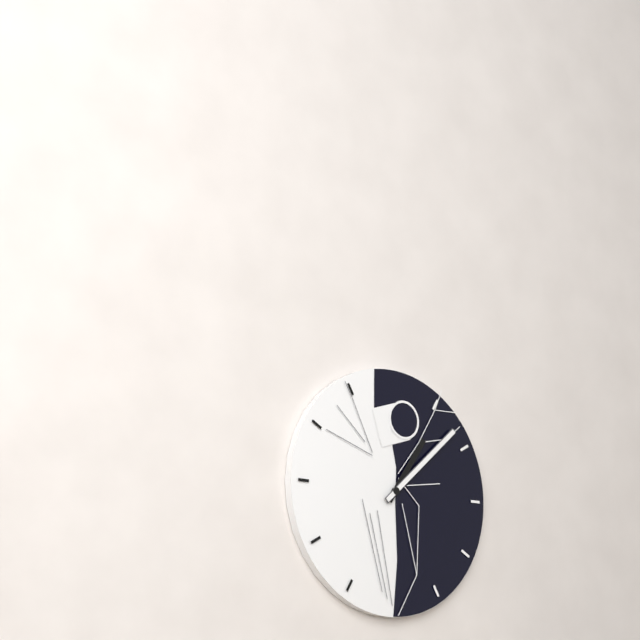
1h08
